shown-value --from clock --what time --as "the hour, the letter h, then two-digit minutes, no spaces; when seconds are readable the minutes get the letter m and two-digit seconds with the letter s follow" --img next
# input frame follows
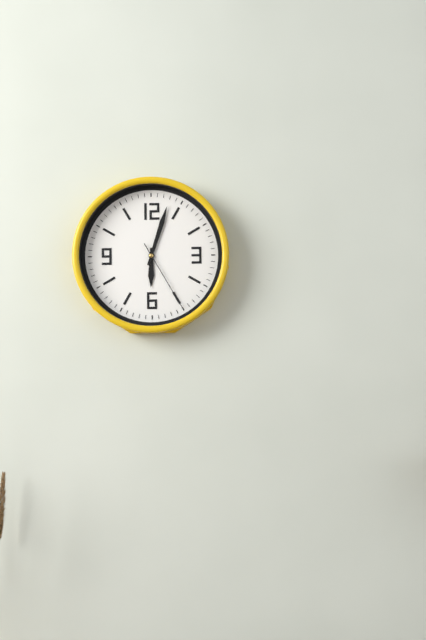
6h03m25s
